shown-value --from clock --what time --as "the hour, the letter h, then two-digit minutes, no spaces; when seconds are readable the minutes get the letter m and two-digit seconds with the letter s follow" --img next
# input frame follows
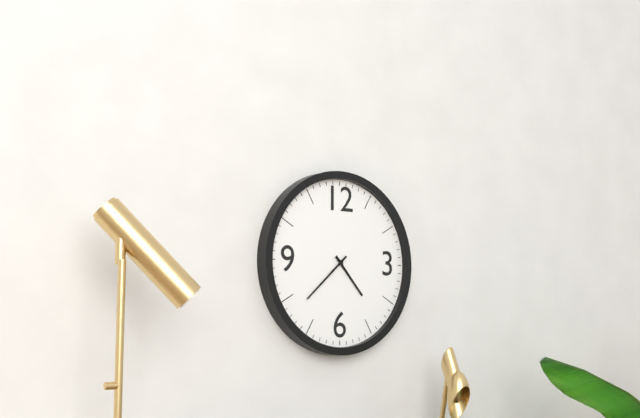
4h38
